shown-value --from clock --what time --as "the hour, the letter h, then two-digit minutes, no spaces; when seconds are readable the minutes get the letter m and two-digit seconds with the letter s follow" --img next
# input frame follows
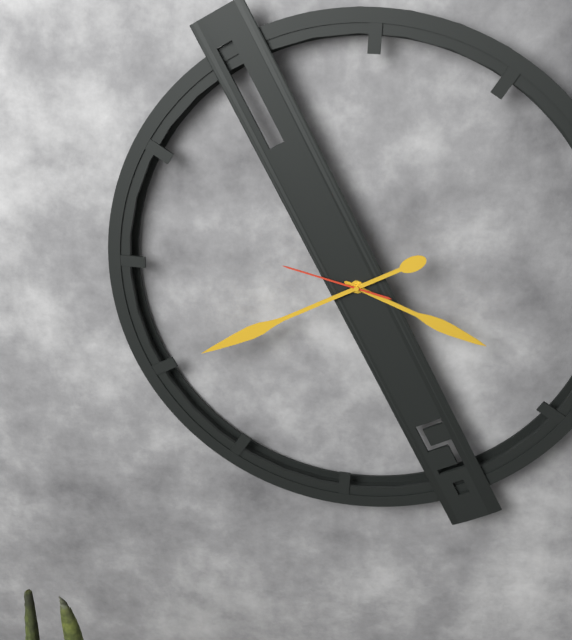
3h40m47s
